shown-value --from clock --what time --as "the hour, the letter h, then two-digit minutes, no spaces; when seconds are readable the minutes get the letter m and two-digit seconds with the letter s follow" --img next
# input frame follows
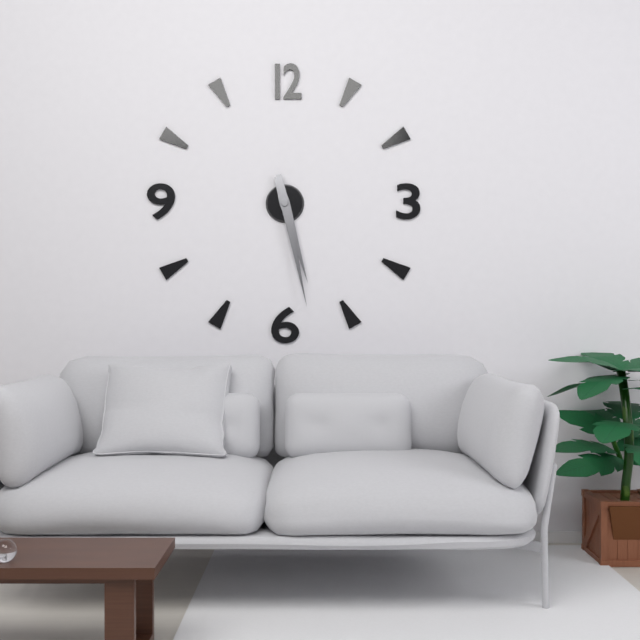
5h28
